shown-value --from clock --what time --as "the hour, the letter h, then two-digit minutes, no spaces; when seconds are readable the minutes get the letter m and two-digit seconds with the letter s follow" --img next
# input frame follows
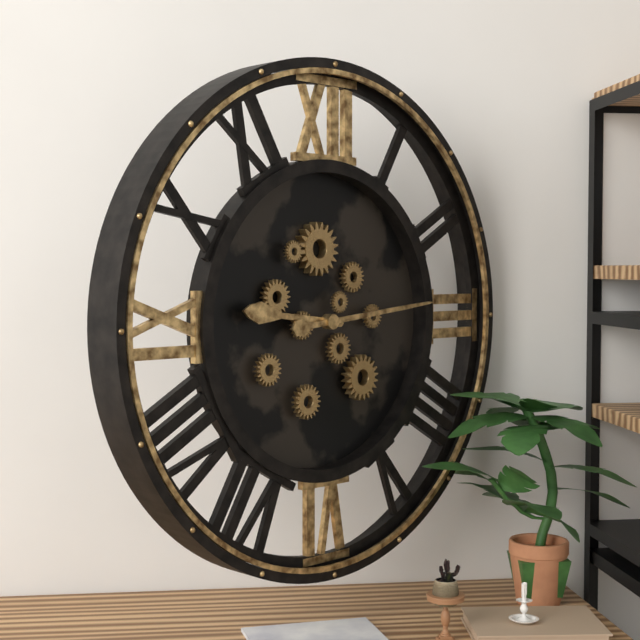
9h14
